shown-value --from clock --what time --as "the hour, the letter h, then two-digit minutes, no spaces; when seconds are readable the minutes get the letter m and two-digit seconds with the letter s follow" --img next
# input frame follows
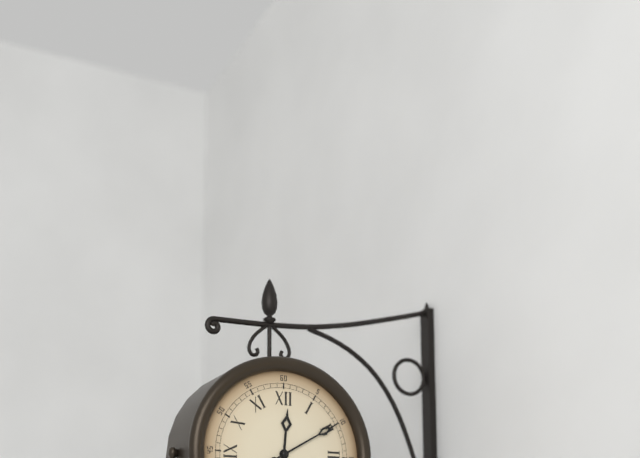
12h10
